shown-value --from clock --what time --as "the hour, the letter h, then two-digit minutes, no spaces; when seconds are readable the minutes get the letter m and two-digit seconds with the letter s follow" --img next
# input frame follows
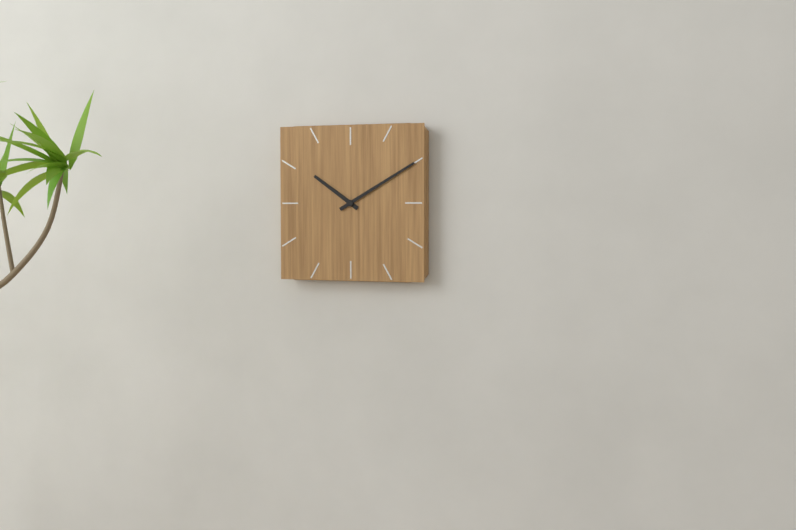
10h10
